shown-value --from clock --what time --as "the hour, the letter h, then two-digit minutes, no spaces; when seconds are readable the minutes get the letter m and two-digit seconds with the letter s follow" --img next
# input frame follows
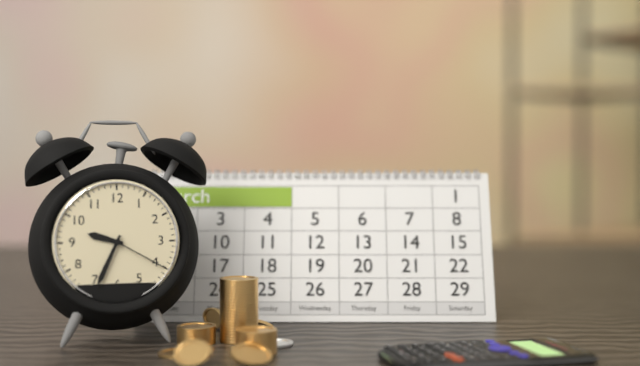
9h34m20s
